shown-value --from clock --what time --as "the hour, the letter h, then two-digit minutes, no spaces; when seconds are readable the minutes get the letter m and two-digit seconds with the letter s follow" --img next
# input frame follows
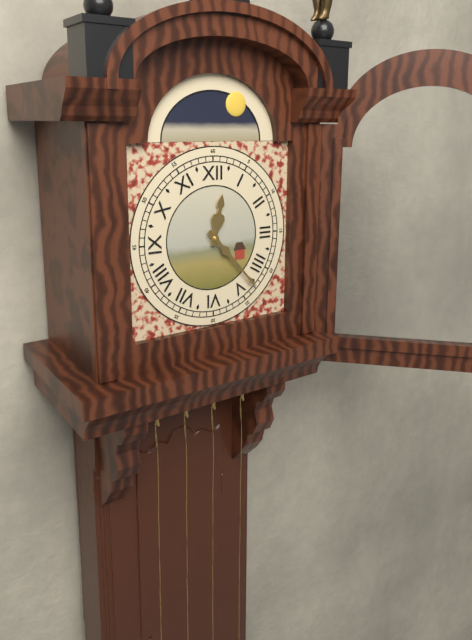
12h23
